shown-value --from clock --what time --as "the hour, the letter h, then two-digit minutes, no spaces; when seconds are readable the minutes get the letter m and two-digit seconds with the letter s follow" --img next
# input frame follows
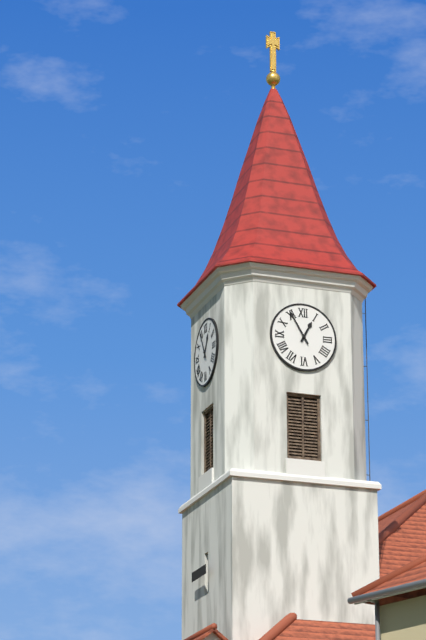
12h55
